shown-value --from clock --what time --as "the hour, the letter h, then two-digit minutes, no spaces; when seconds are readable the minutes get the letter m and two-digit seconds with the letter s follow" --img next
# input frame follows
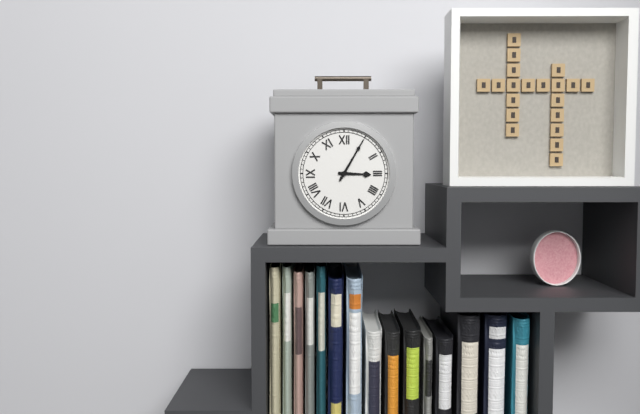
3h05
